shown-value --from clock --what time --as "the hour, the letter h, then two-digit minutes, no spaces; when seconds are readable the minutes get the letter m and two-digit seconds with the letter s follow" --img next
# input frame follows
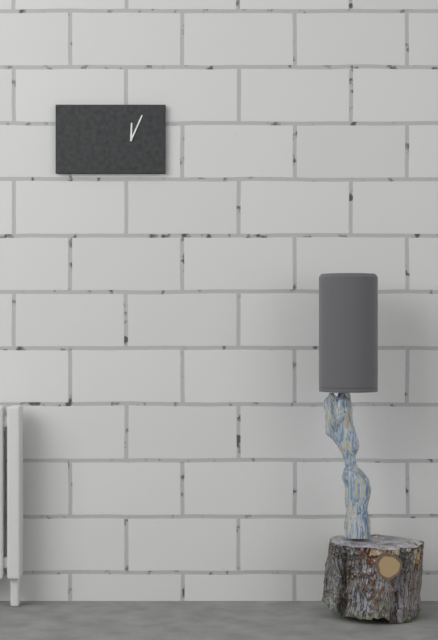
12h04
